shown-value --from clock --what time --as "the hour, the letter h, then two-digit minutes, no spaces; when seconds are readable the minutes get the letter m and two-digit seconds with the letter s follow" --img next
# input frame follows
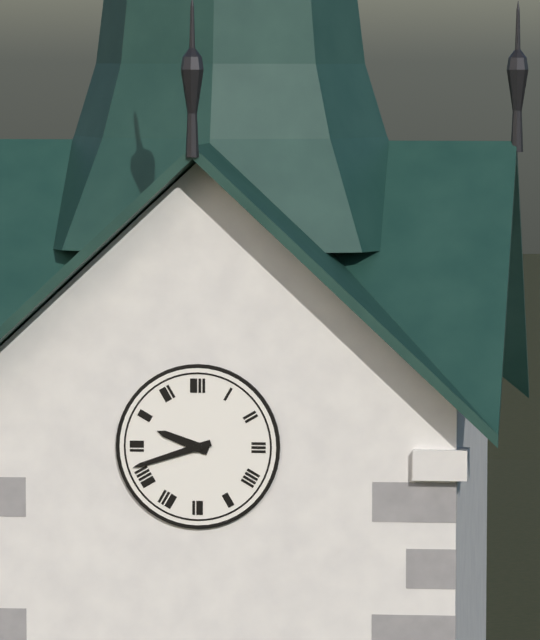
9h42
